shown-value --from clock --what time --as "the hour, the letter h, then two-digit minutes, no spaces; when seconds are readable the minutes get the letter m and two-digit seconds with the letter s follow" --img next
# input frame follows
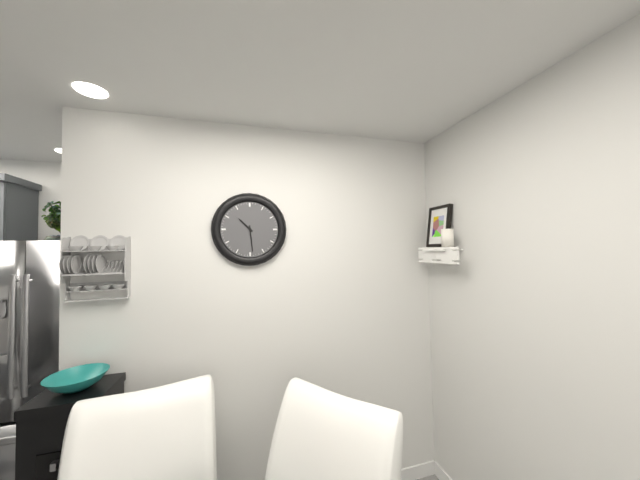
10h29
